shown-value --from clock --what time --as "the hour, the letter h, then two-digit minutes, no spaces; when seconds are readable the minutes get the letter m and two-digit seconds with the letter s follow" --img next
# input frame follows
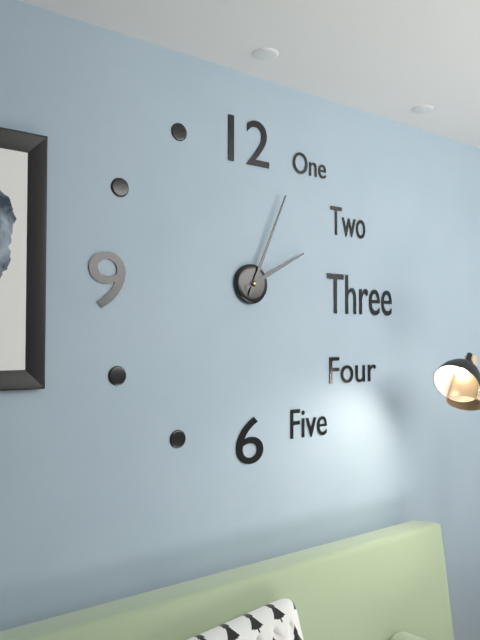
2h04
